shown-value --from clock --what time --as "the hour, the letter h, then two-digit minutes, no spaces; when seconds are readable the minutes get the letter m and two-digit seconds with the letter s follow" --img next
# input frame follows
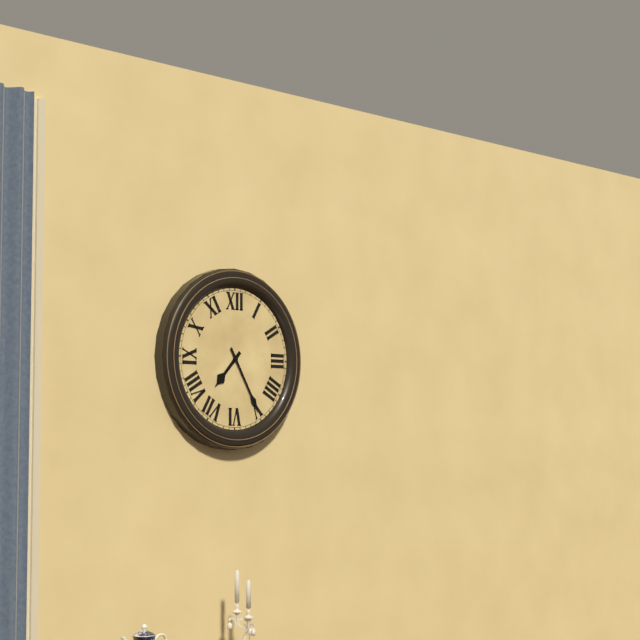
7h25
